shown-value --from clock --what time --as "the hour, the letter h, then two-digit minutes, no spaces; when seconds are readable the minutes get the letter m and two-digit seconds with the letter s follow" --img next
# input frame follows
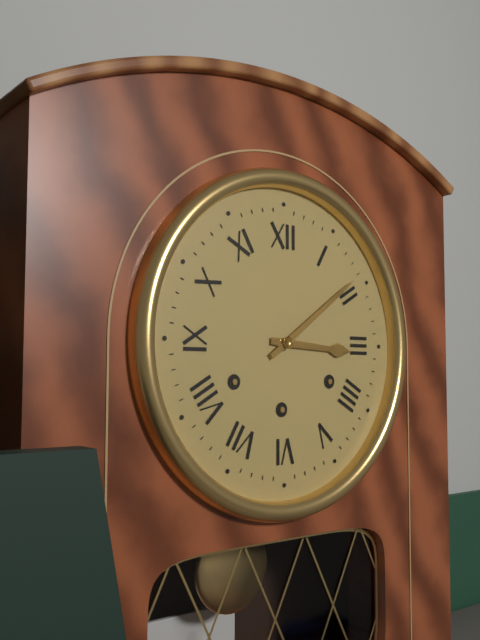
3h09
